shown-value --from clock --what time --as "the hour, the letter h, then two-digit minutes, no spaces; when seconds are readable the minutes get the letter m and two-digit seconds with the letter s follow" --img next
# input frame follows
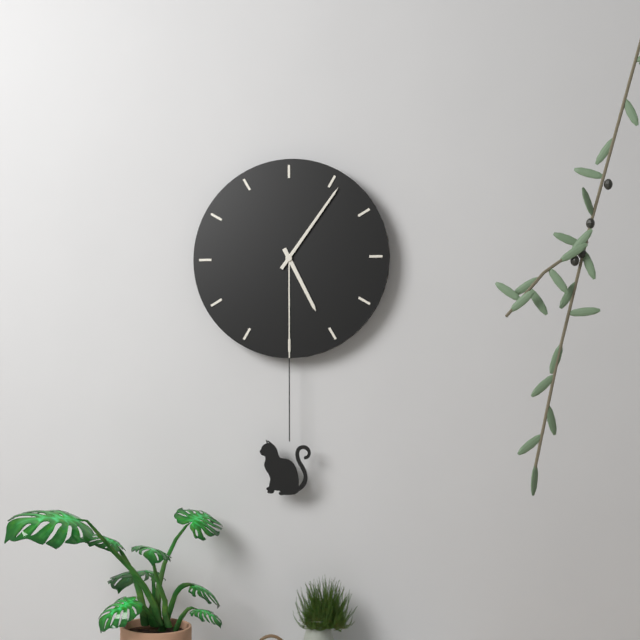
5h06
